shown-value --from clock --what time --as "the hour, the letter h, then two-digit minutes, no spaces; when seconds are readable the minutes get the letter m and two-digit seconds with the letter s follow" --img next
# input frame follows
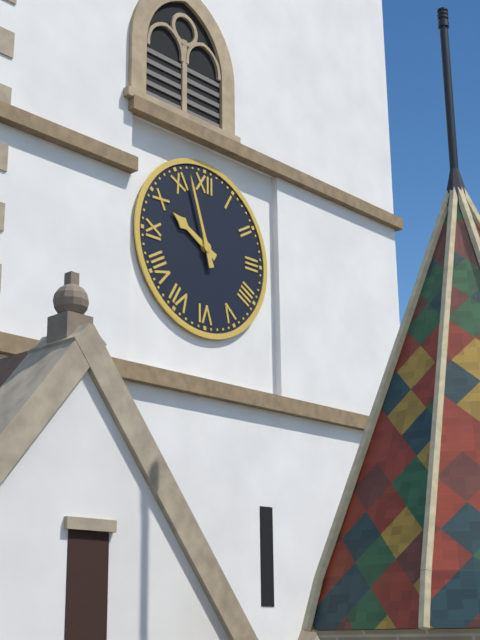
9h57
